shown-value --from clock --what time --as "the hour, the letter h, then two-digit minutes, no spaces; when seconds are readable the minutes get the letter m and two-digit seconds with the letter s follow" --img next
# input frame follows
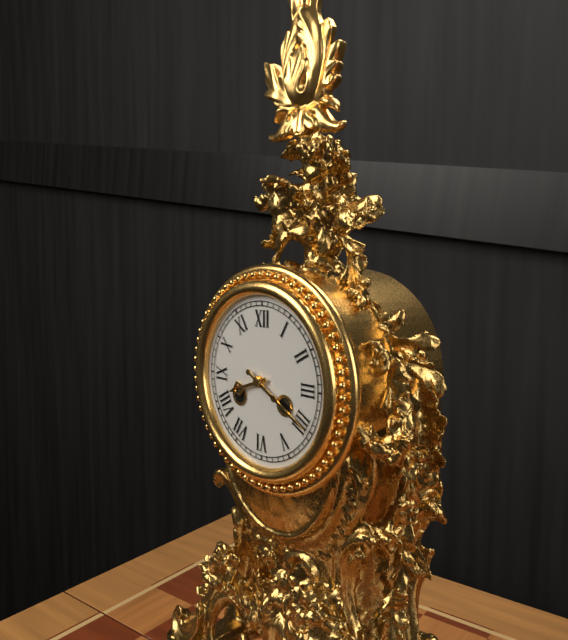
8h20
